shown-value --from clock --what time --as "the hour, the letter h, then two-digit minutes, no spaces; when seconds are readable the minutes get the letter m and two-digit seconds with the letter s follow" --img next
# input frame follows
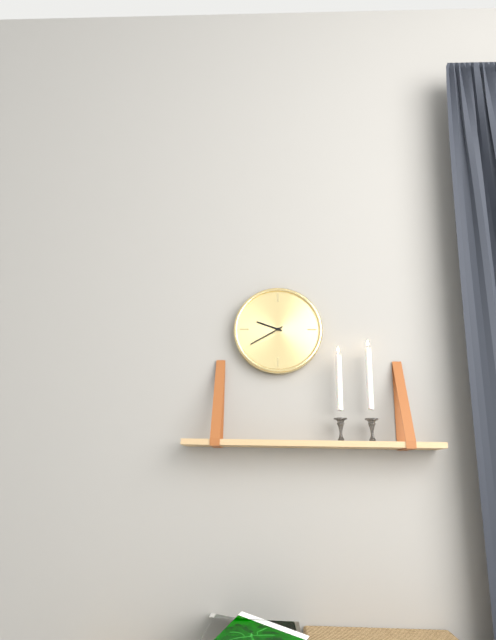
9h40
